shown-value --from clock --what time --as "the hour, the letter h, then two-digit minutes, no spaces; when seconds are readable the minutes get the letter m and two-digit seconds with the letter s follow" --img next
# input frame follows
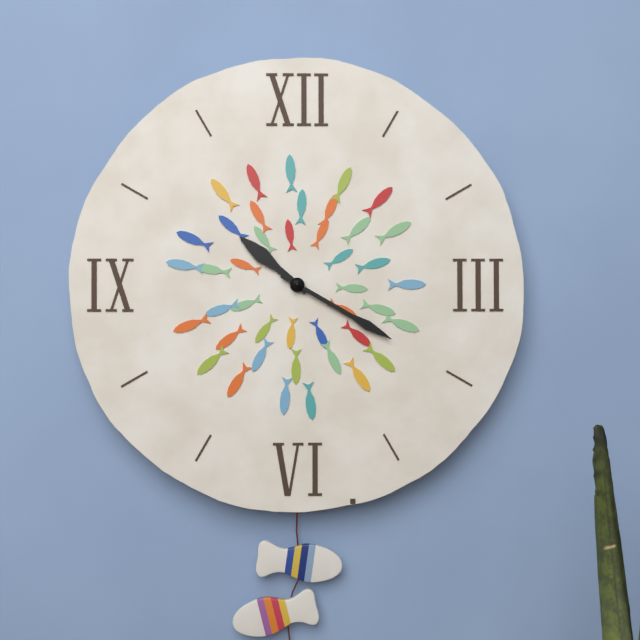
10h20
